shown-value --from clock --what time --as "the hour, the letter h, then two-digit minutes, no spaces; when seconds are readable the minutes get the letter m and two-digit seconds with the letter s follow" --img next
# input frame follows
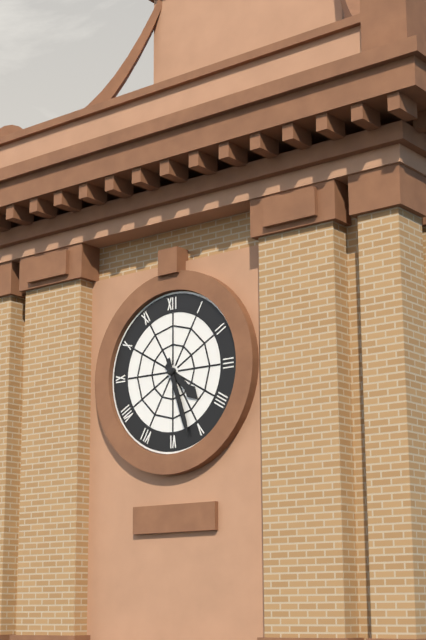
4h27
